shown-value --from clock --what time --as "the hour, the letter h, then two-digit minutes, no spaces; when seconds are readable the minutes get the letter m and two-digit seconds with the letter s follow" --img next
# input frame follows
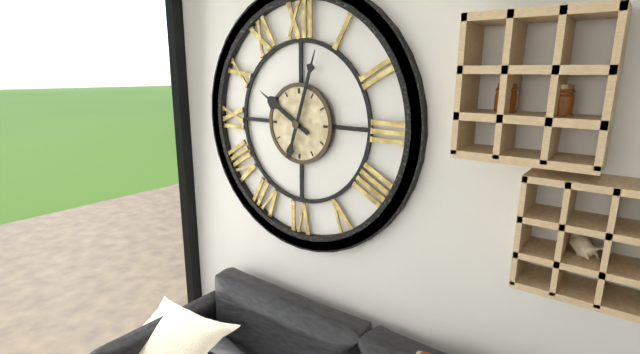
10h03
